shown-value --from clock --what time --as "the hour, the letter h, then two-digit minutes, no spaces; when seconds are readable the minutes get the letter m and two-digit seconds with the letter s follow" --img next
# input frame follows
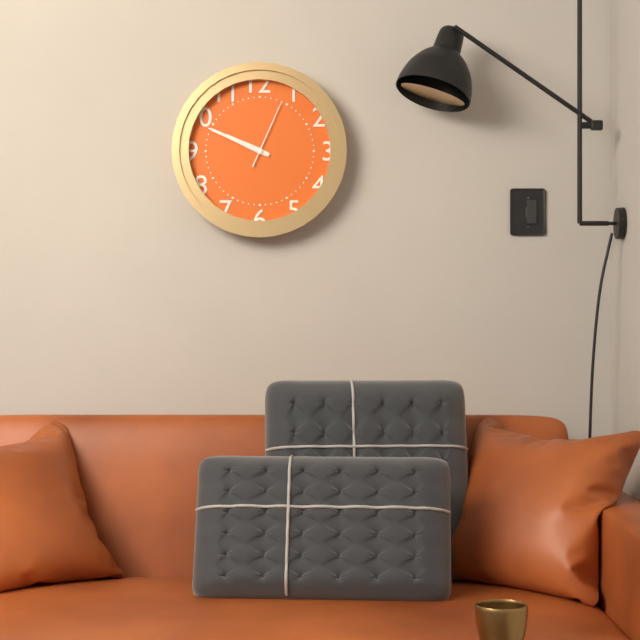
9h49m04s
